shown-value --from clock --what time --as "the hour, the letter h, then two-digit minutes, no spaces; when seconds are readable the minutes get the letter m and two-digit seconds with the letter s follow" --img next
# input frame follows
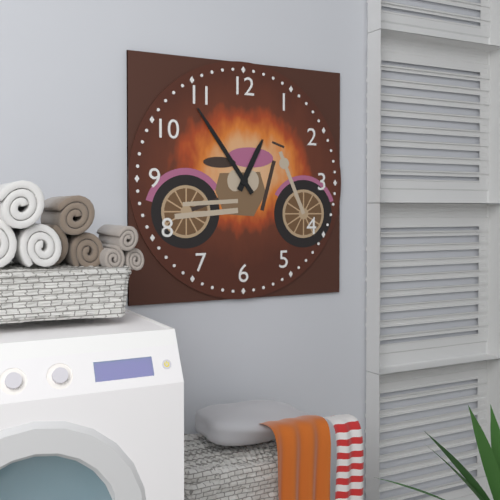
12h54
